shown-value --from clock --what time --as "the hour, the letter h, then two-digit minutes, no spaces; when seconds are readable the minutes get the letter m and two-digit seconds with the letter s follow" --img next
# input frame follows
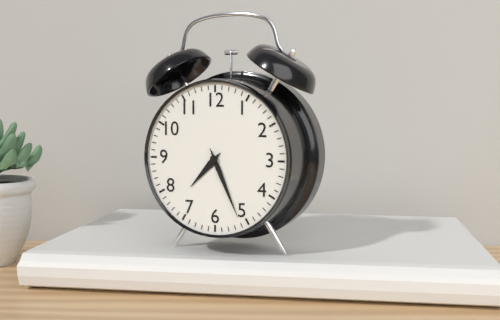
7h26
